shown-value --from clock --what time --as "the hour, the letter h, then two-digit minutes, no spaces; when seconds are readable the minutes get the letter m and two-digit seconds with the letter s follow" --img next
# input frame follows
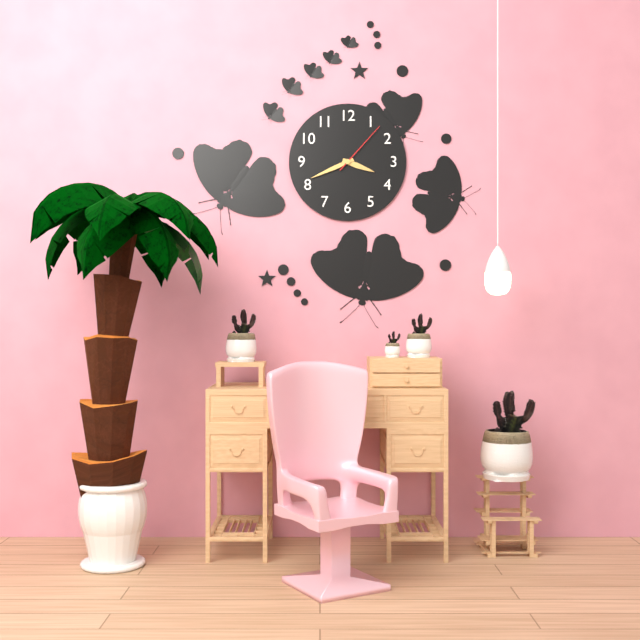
3h41m07s
